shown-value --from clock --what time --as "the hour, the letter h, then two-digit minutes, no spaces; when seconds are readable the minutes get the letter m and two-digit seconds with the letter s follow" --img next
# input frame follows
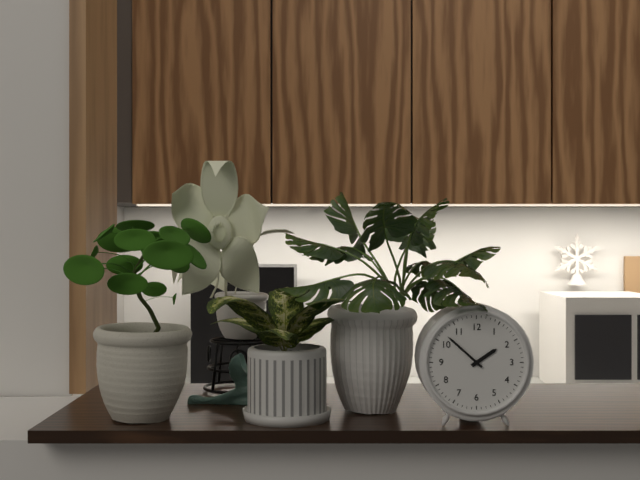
1h52
